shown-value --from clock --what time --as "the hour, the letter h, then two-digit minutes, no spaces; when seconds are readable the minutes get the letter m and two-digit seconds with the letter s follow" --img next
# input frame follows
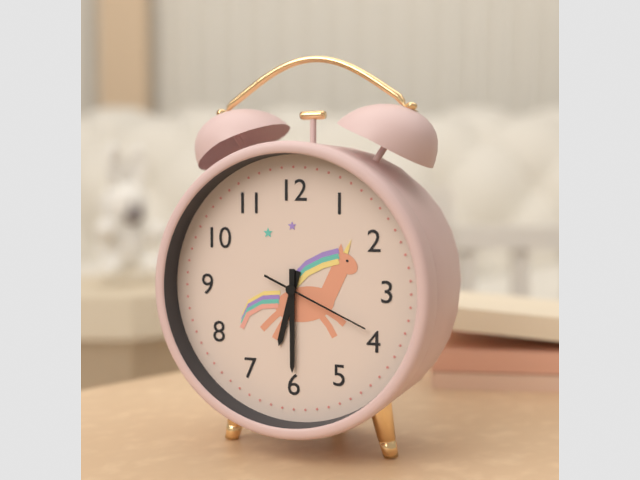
6h30m19s
